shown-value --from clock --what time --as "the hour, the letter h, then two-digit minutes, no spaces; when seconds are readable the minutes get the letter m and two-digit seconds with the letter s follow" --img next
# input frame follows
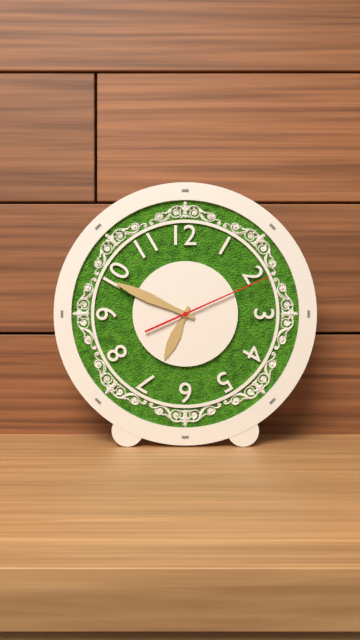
6h49m11s
